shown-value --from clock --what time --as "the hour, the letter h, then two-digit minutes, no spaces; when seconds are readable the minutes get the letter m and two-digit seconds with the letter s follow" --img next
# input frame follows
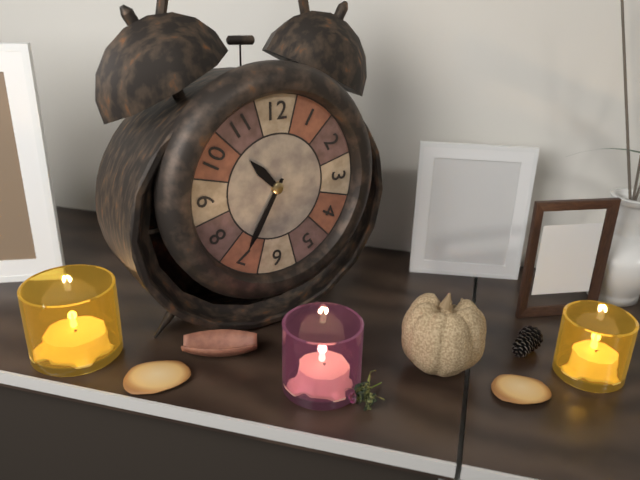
10h35
